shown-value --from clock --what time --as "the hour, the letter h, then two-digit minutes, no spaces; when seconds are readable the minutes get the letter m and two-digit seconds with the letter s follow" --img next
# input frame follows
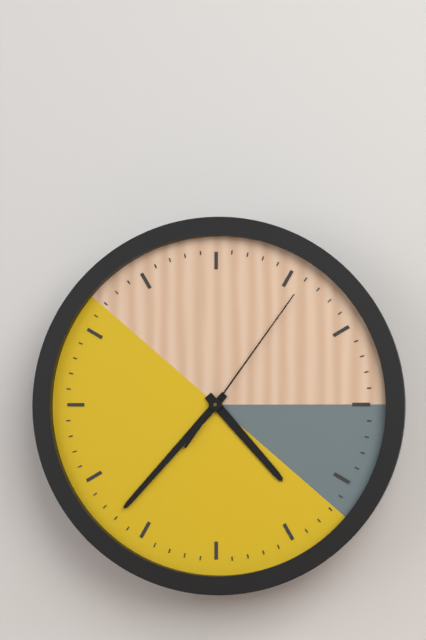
4h37m06s
